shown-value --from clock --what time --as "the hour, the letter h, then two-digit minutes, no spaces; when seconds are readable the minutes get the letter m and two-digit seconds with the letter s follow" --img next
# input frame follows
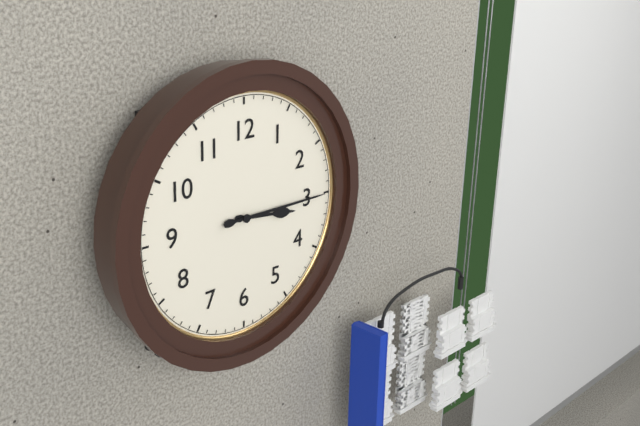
3h15
